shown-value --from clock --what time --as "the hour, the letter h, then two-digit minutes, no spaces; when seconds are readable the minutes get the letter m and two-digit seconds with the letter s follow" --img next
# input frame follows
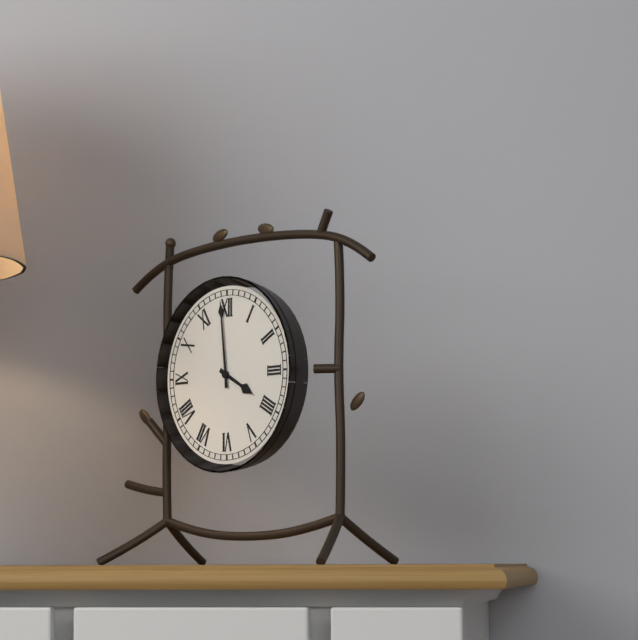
3h59
